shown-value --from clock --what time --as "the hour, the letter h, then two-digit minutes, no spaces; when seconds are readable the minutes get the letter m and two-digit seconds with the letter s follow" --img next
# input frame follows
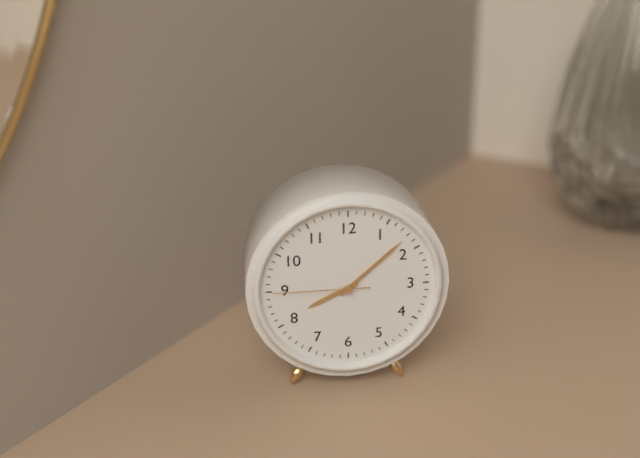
8h08m45s
